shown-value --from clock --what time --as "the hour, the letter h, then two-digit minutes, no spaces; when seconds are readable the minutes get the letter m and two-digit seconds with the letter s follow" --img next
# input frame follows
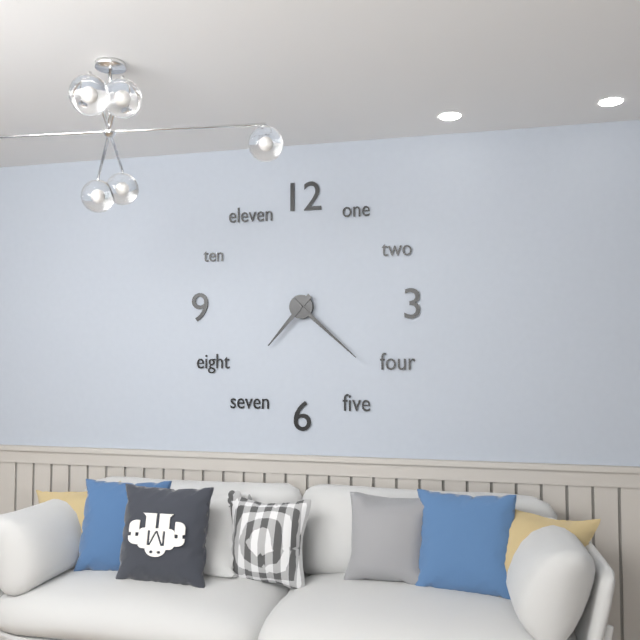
7h22
